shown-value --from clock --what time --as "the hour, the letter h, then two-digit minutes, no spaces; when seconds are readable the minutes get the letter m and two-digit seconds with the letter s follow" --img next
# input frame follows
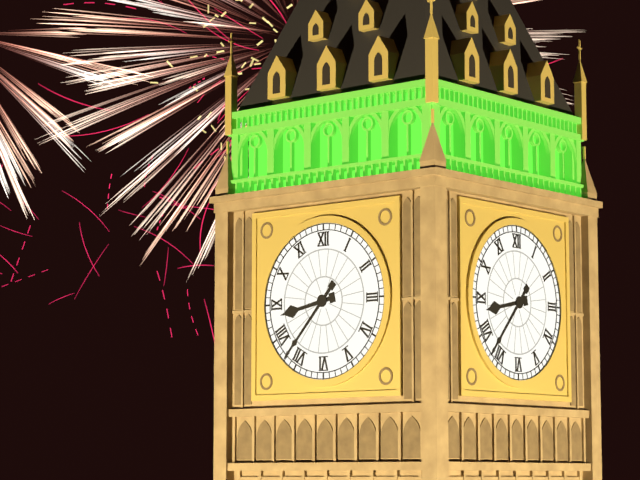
8h37
